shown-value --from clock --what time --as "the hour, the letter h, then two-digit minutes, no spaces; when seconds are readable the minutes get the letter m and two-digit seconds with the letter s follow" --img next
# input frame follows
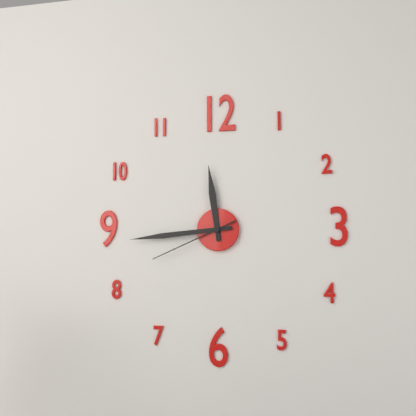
11h44m41s
